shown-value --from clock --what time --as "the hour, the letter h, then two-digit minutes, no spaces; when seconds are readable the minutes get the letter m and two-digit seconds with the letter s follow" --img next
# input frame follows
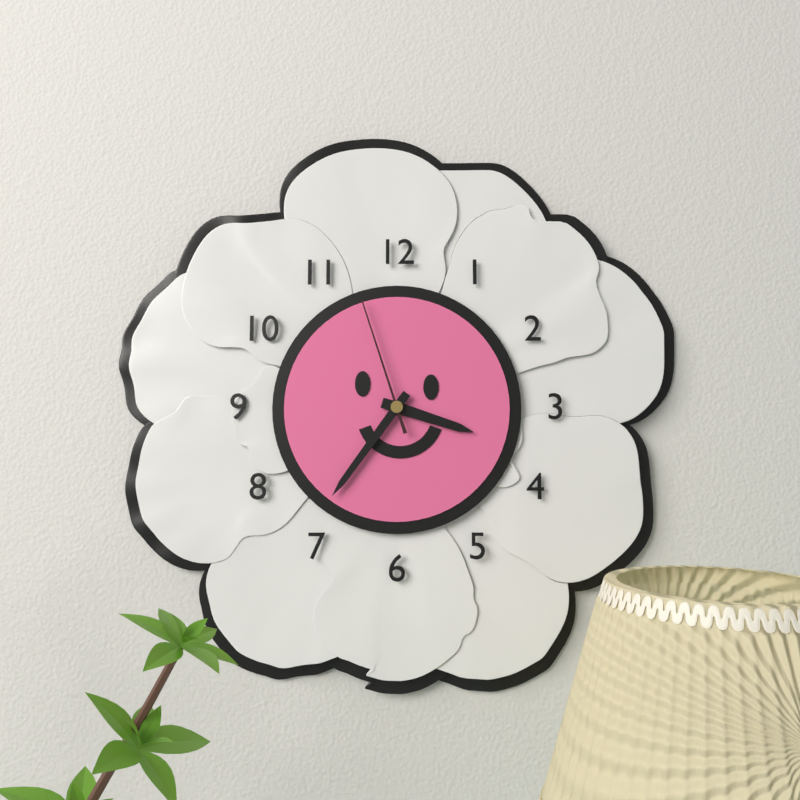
3h36m57s
